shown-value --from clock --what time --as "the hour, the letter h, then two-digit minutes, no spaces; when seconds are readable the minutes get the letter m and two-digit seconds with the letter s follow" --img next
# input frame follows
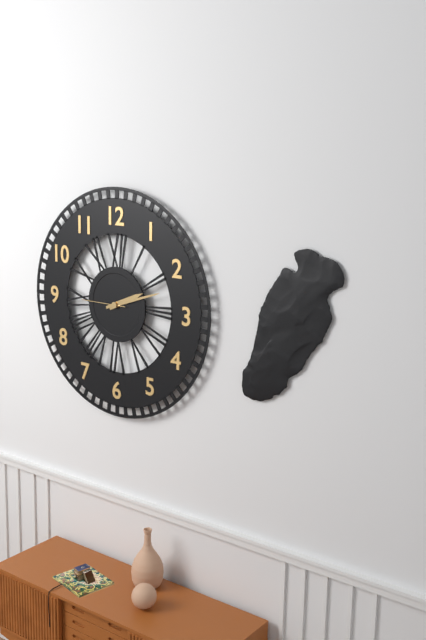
2h12
